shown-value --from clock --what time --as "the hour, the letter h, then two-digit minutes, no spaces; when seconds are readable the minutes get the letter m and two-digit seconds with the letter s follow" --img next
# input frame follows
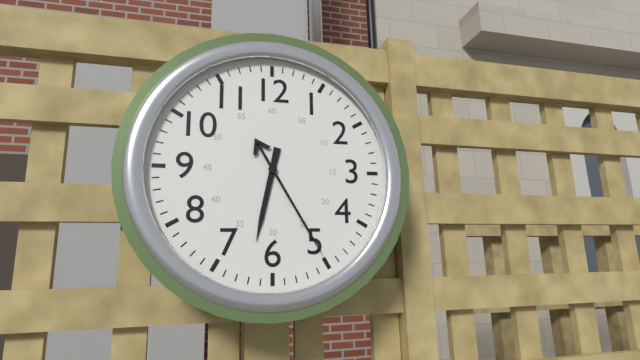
6h25
